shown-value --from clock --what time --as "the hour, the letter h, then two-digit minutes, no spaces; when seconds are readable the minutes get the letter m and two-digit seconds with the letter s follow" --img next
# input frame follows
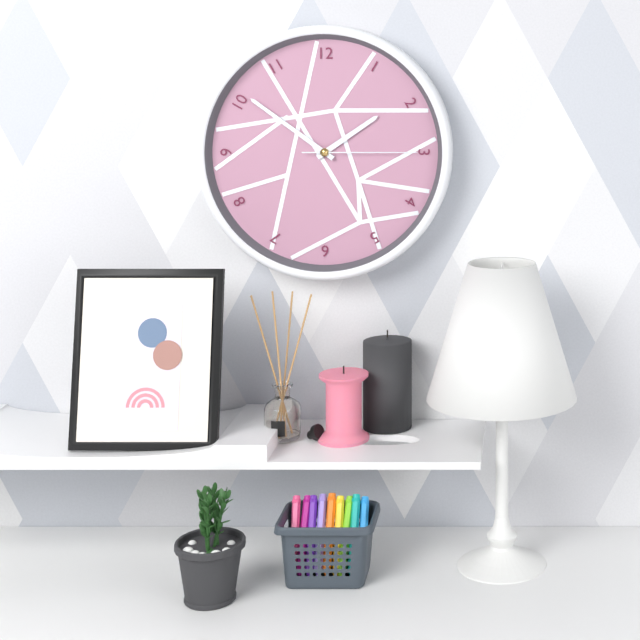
1h51m15s
